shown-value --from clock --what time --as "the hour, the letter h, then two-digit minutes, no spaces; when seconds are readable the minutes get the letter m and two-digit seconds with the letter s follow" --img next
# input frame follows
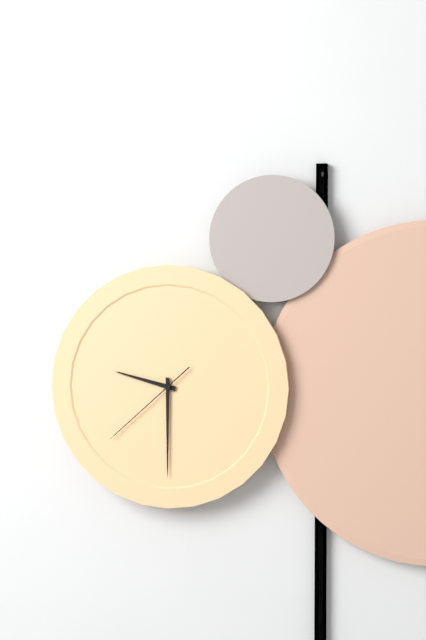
9h30m38s
